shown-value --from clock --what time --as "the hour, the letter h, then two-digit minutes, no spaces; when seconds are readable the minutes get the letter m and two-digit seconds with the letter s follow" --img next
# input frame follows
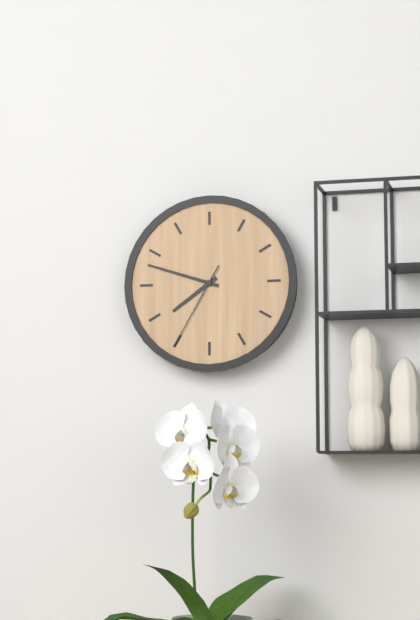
7h48m35s
